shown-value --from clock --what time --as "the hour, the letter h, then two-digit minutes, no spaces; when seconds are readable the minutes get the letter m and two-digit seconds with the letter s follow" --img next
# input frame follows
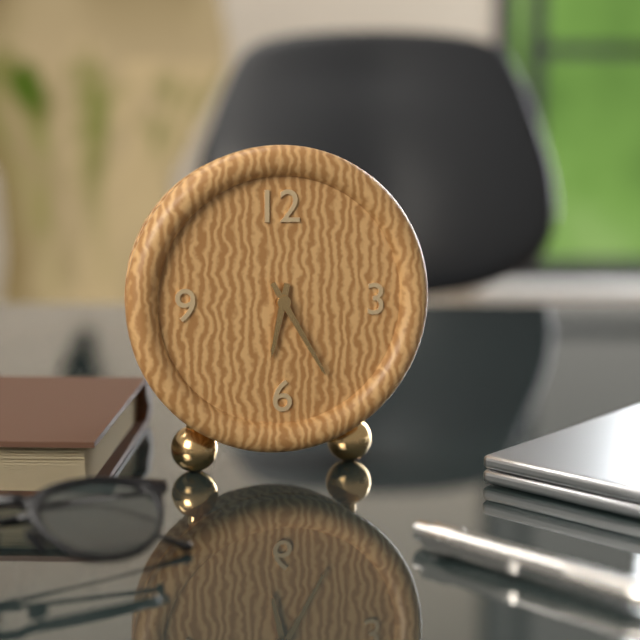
6h25
